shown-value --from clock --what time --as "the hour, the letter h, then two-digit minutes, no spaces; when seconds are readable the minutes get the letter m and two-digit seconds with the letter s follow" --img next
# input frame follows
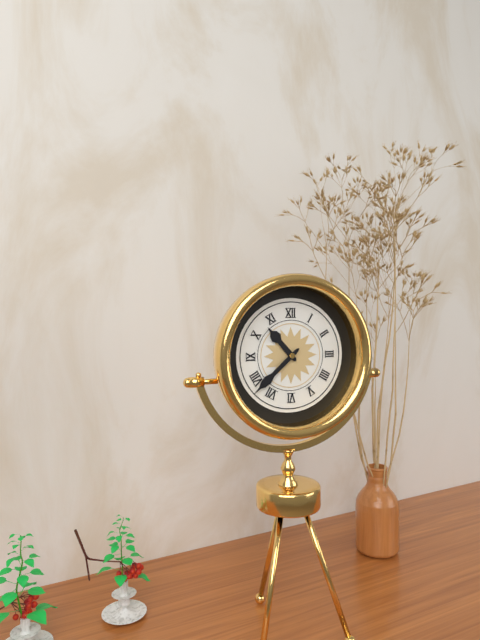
10h38
